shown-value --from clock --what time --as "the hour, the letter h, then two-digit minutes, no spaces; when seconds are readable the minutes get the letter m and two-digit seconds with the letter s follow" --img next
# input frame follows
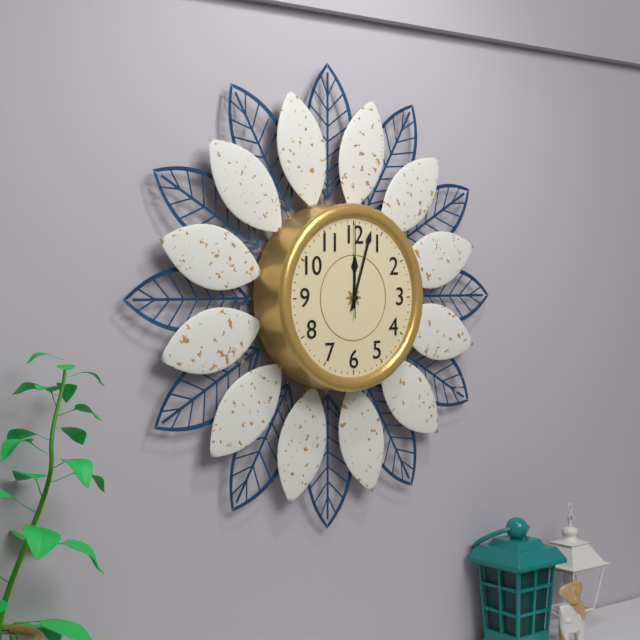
12h03m00s
